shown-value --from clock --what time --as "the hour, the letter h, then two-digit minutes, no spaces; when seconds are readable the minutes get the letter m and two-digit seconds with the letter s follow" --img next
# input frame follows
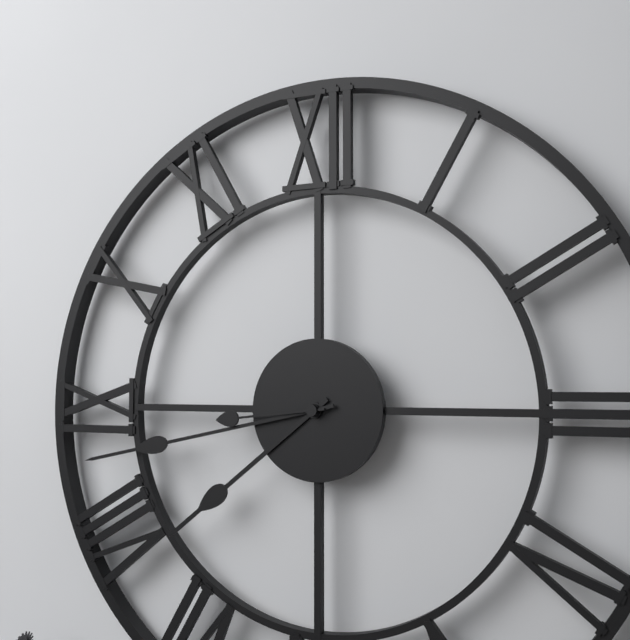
7h43m44s
